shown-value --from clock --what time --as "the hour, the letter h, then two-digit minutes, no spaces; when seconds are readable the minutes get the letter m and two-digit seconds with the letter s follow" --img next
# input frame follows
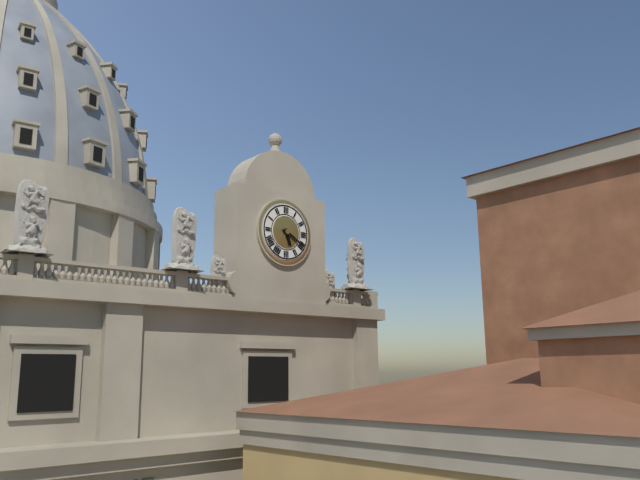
5h20
